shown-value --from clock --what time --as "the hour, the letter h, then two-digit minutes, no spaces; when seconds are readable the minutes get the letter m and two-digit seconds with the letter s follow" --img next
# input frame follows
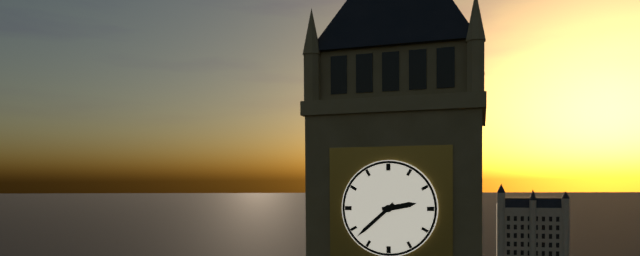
2h38
